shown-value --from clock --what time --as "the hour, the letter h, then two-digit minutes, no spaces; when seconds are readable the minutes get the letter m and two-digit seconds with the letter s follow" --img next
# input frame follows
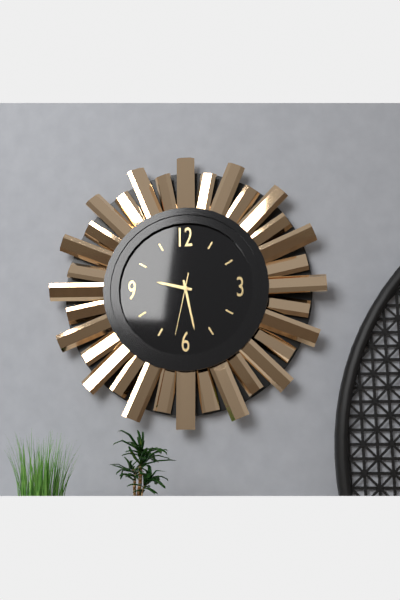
9h28m32s
